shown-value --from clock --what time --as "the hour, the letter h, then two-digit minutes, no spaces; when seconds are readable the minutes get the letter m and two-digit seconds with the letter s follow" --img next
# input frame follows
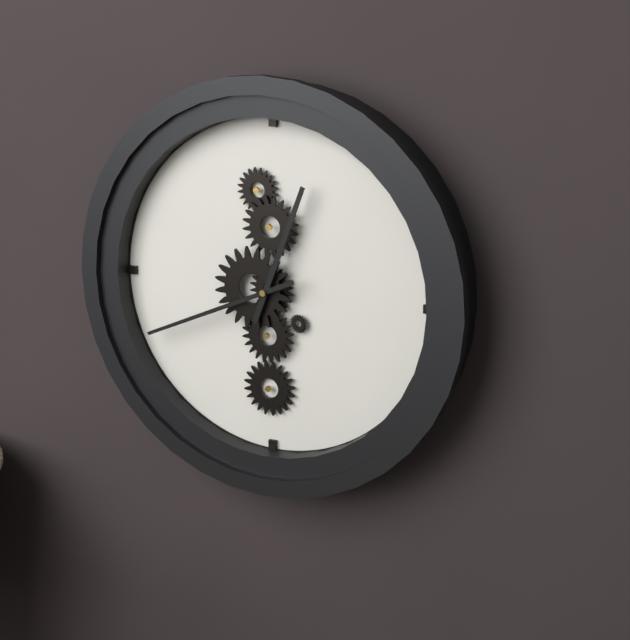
12h41
